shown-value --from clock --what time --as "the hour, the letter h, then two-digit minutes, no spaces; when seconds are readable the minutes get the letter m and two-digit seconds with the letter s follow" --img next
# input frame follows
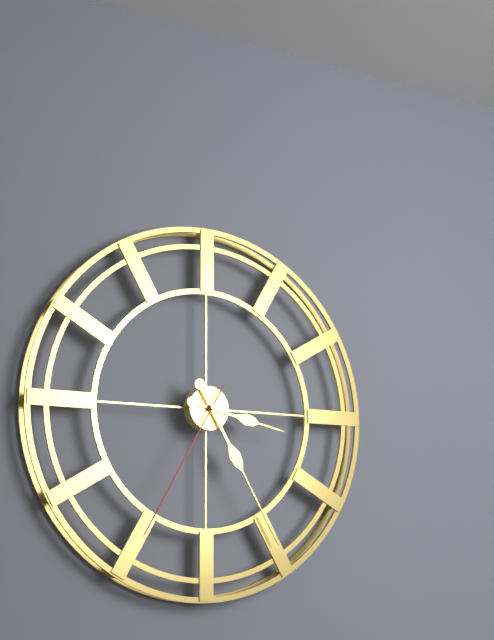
3h25m35s
